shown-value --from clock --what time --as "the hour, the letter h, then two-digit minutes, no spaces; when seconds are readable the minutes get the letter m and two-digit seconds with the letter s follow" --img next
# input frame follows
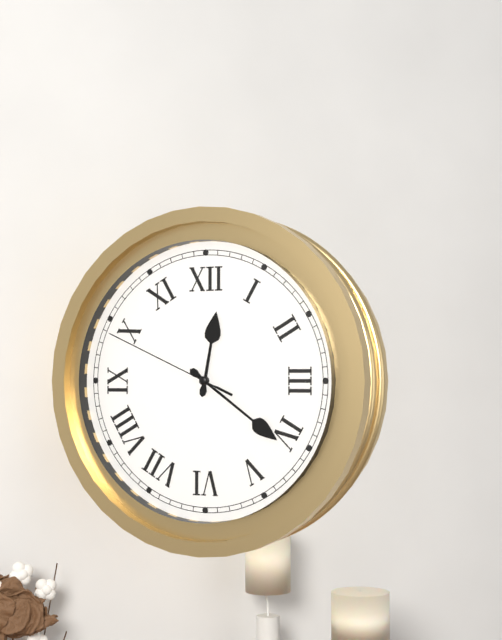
12h21m49s
